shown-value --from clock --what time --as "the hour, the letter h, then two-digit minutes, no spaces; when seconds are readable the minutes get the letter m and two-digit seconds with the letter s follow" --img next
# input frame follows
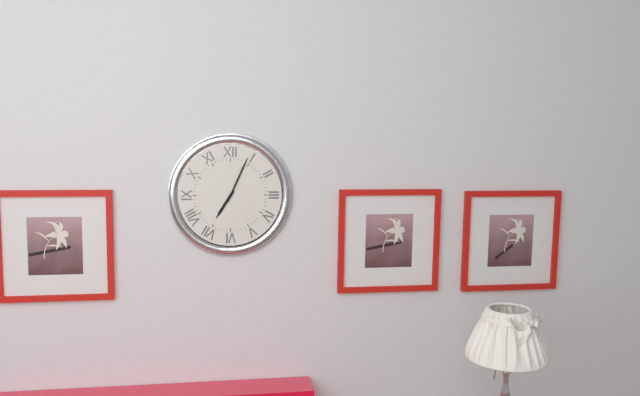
7h04
